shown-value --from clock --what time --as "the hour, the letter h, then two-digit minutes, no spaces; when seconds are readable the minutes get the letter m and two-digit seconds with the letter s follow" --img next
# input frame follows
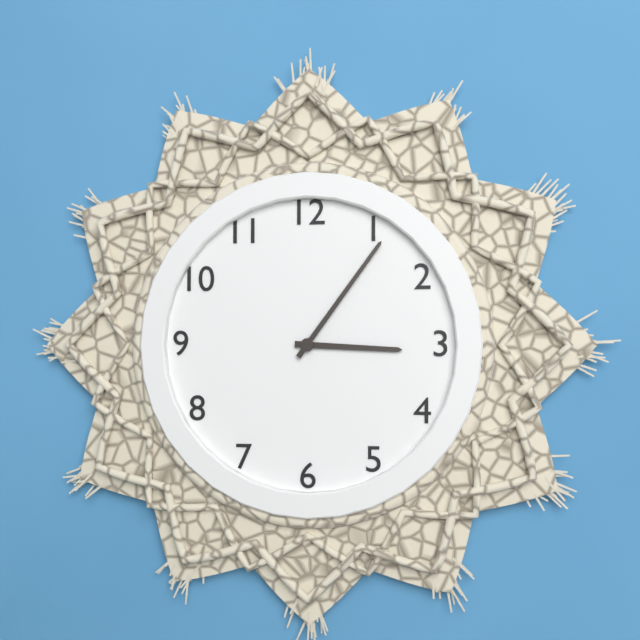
3h06
